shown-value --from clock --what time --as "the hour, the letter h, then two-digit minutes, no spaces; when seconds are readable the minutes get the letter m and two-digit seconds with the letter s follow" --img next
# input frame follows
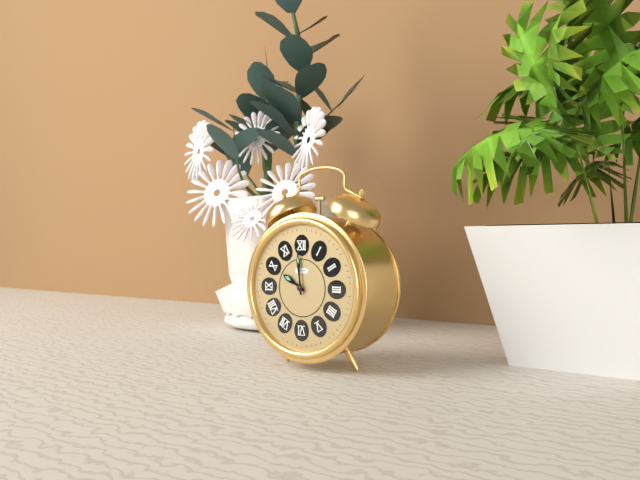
9h59
